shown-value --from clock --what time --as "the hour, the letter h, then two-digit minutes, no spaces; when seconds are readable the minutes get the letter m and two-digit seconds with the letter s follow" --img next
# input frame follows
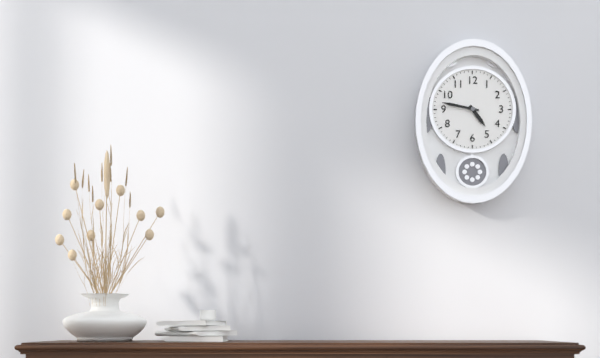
4h47
